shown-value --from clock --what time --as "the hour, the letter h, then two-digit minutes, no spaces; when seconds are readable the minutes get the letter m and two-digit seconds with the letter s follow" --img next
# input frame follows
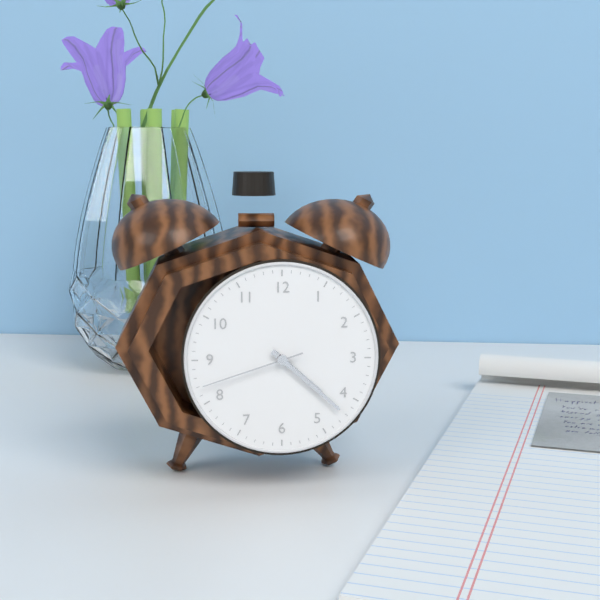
4h22m42s
